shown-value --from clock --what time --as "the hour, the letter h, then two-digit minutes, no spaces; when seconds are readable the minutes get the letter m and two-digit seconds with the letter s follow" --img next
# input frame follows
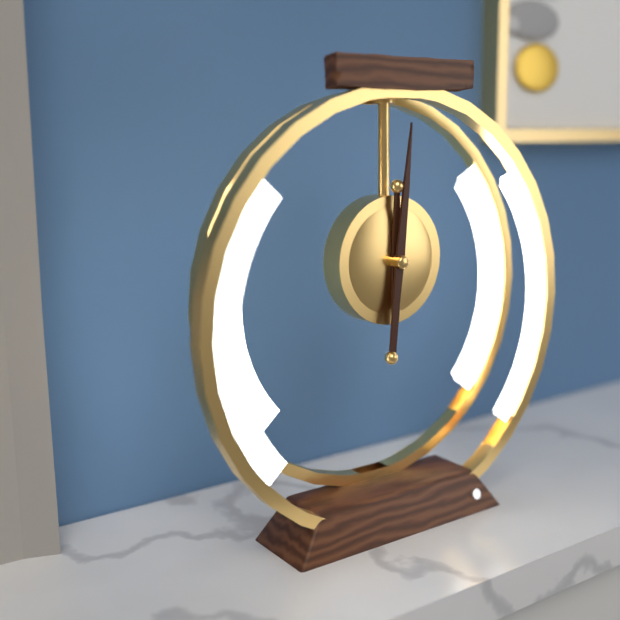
6h01
